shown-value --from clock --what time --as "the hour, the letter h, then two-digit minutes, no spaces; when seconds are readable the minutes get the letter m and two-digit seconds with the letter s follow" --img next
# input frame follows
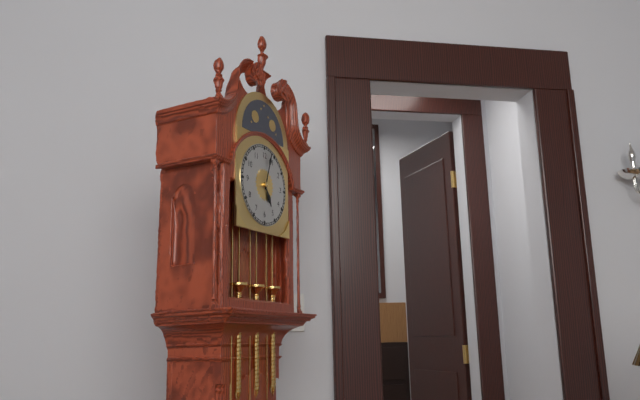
5h03
